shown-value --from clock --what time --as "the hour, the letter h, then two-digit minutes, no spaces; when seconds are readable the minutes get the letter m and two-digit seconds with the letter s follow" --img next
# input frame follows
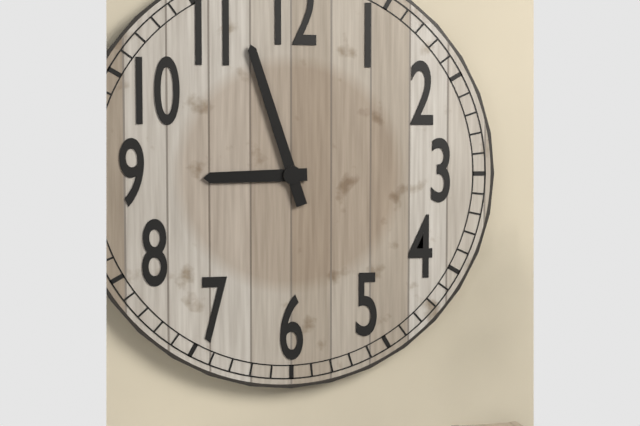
8h57
